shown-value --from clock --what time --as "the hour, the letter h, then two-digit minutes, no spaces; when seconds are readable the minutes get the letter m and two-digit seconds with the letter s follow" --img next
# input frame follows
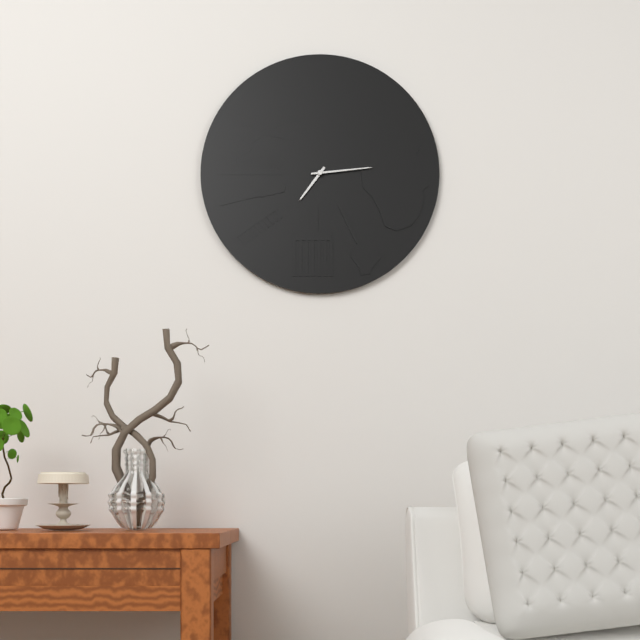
7h14
